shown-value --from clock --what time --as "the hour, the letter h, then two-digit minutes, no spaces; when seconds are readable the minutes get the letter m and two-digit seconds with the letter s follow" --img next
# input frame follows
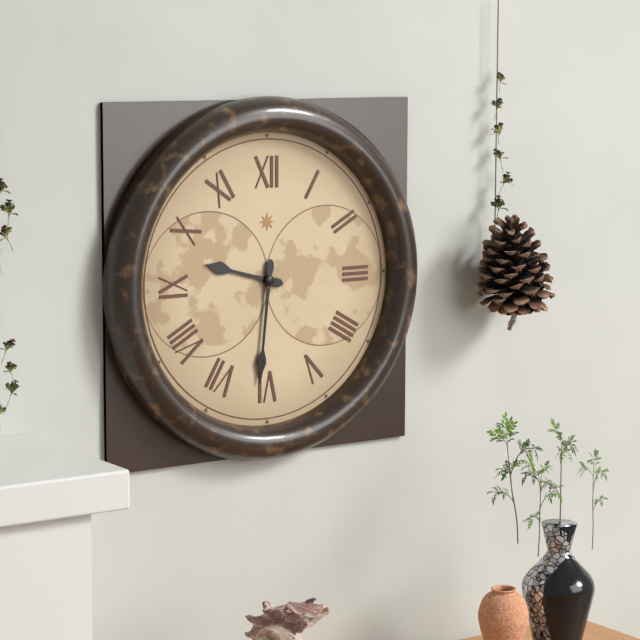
9h31
